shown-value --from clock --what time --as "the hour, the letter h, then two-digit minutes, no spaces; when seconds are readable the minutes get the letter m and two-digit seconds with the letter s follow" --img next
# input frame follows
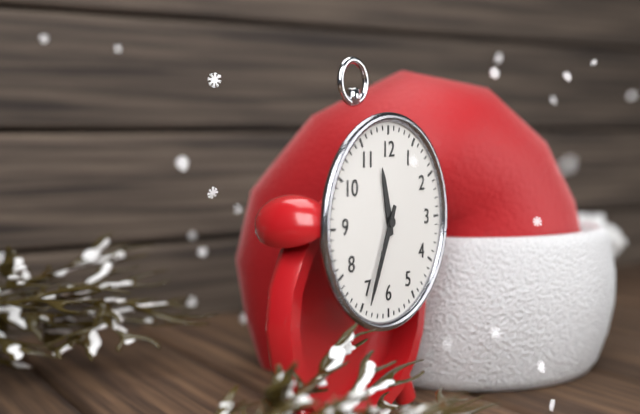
11h34
